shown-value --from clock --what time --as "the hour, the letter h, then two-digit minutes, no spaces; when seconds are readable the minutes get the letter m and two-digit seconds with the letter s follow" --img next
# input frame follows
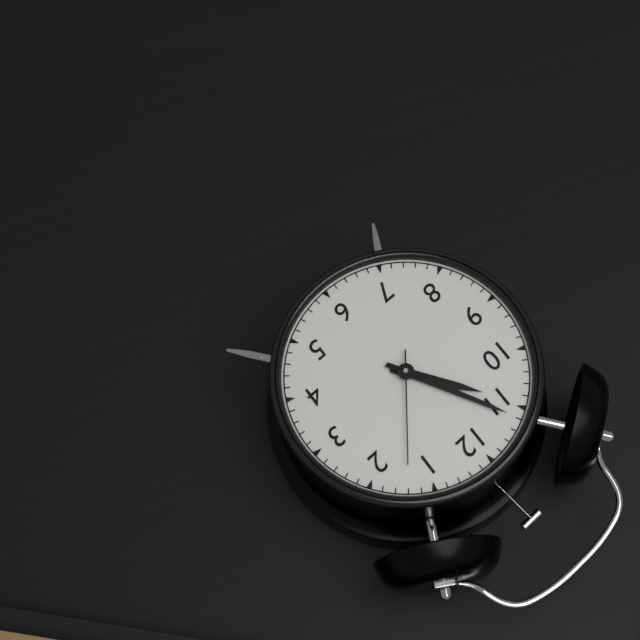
10h56m07s
